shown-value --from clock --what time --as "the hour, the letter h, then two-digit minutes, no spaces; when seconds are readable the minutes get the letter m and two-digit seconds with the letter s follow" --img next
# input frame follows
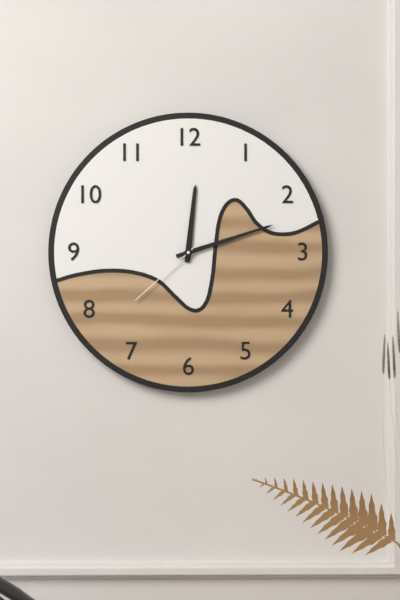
12h12m38s
